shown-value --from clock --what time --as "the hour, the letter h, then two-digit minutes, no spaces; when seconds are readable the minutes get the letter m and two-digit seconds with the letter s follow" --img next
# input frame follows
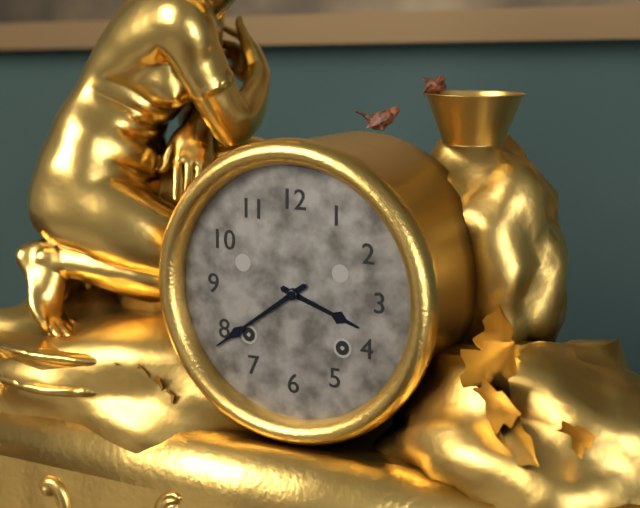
3h39
